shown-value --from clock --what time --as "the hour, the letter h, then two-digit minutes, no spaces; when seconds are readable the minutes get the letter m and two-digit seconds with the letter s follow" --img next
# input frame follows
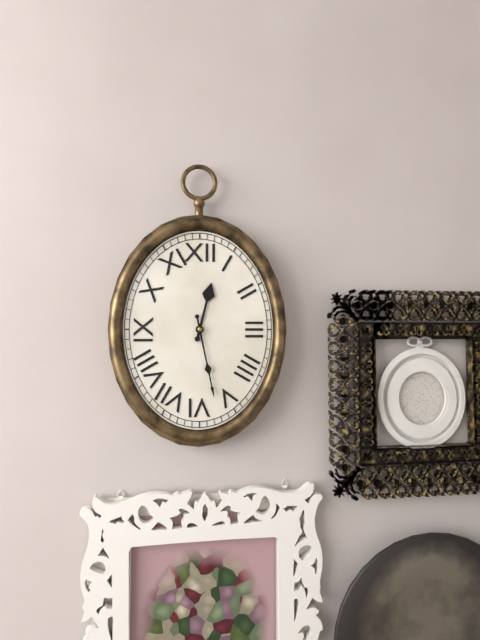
12h28
